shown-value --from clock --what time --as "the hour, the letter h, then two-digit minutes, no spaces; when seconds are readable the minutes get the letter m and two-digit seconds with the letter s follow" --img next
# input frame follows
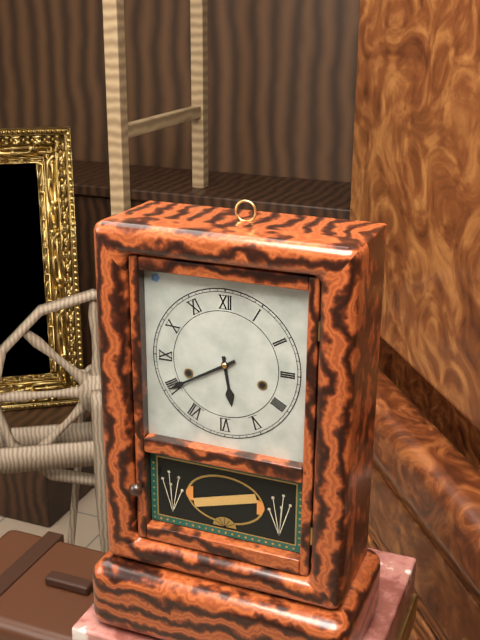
5h40
